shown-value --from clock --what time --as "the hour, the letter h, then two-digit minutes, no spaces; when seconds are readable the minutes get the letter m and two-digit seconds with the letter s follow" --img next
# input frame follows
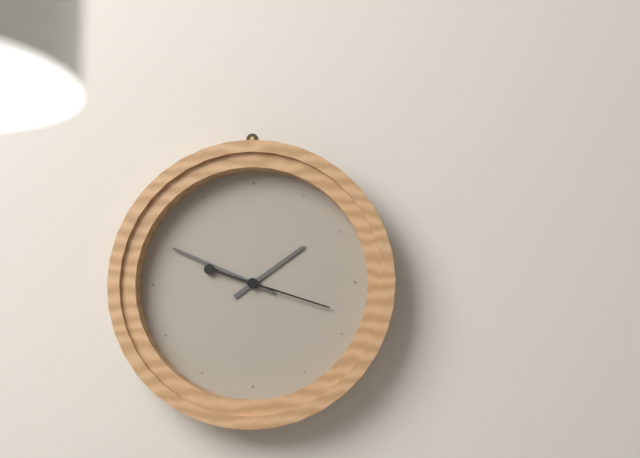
1h49m18s
